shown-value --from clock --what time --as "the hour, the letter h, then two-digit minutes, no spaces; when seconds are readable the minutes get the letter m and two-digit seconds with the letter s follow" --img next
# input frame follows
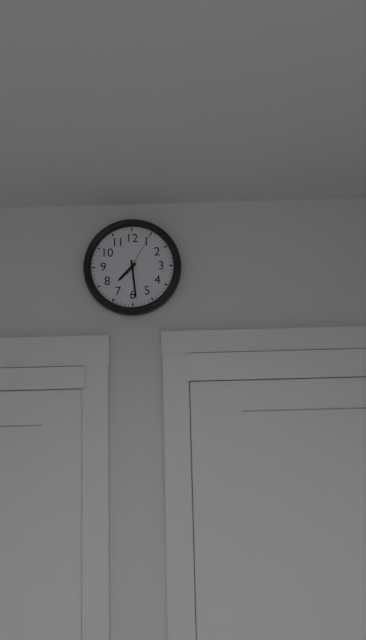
7h29
